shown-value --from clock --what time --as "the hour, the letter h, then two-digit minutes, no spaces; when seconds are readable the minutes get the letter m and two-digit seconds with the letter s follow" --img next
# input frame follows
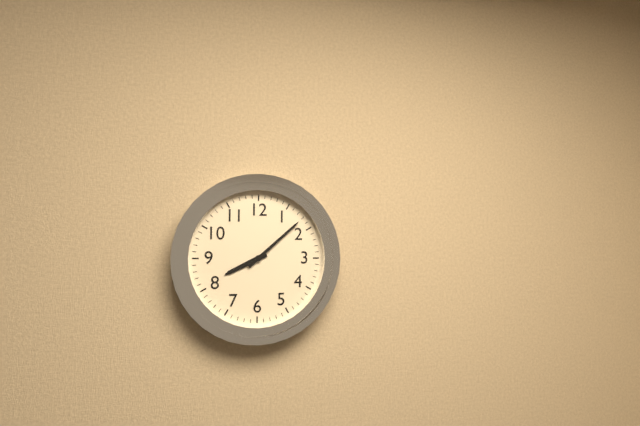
8h08
